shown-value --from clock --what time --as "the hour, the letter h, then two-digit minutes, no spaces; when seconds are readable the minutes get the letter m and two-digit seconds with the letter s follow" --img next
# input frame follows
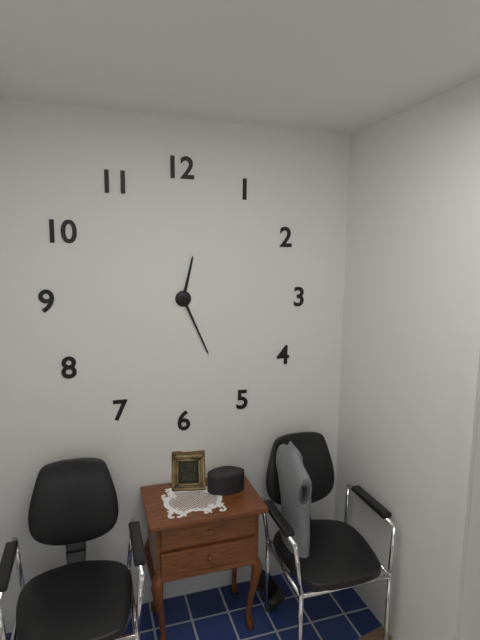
12h26
